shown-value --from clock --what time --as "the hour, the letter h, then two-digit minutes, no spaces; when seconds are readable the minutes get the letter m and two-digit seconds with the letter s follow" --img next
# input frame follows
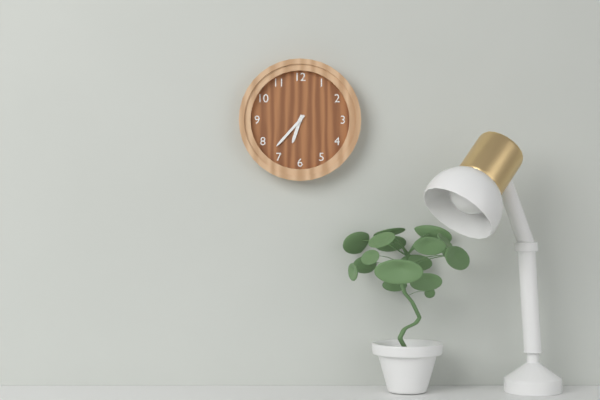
6h37
